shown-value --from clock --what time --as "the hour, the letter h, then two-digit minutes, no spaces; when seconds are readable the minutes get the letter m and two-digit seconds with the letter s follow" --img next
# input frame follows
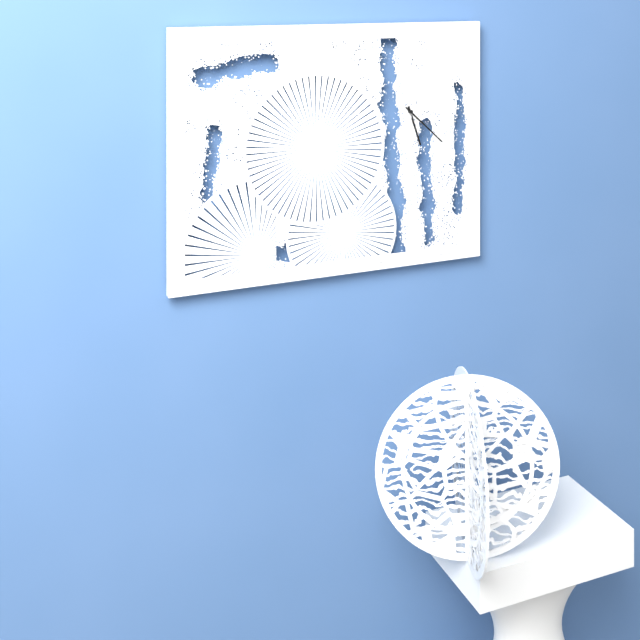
5h22
